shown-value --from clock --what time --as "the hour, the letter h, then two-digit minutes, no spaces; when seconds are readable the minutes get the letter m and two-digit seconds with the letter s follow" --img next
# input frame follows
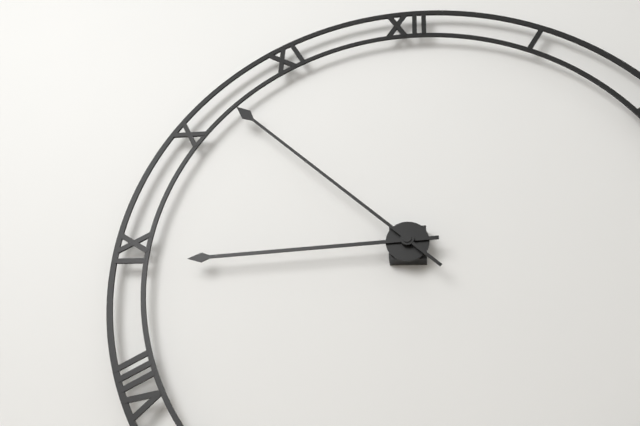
8h52
